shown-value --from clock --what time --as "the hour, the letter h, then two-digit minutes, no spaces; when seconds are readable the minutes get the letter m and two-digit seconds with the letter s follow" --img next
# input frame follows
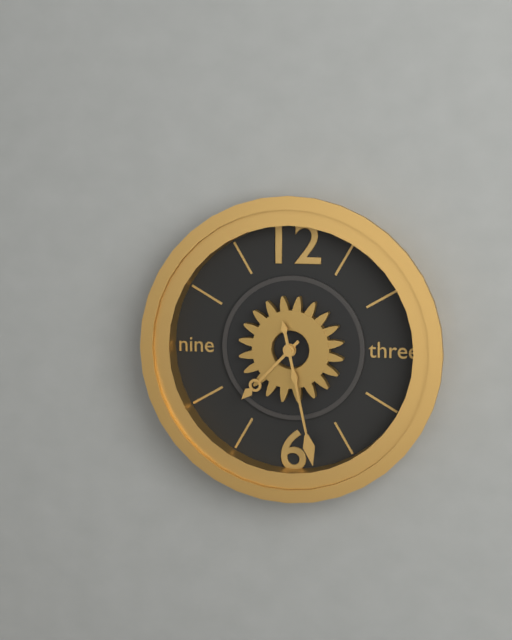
7h28
